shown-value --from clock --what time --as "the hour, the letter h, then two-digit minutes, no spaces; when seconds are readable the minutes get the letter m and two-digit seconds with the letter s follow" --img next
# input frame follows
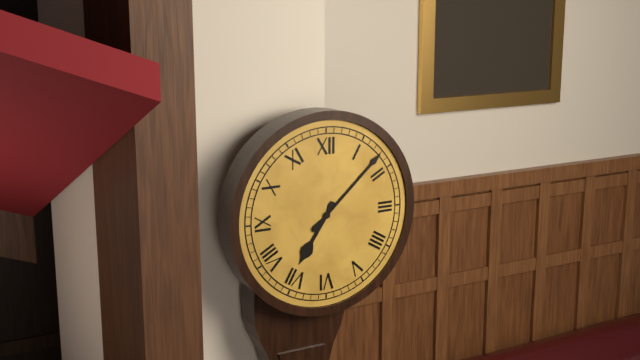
7h08
